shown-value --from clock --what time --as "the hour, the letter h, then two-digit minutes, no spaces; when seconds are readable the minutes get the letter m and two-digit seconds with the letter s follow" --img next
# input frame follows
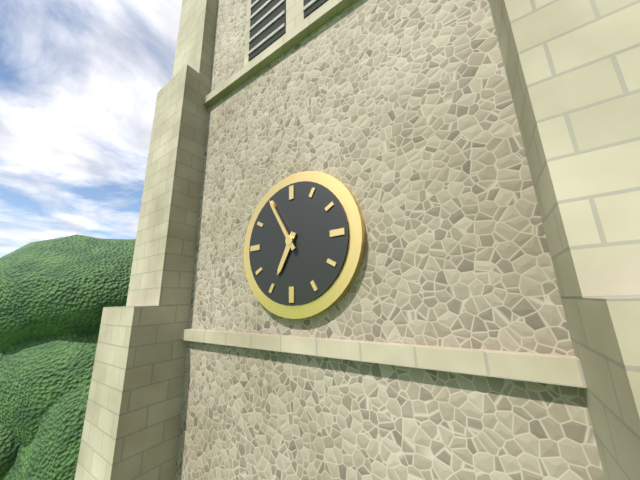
6h55
